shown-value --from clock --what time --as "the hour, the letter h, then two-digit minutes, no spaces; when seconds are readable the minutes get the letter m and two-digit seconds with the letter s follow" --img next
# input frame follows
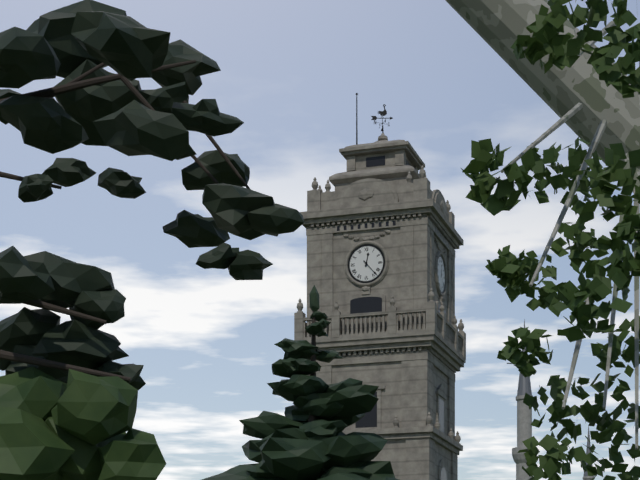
12h23
